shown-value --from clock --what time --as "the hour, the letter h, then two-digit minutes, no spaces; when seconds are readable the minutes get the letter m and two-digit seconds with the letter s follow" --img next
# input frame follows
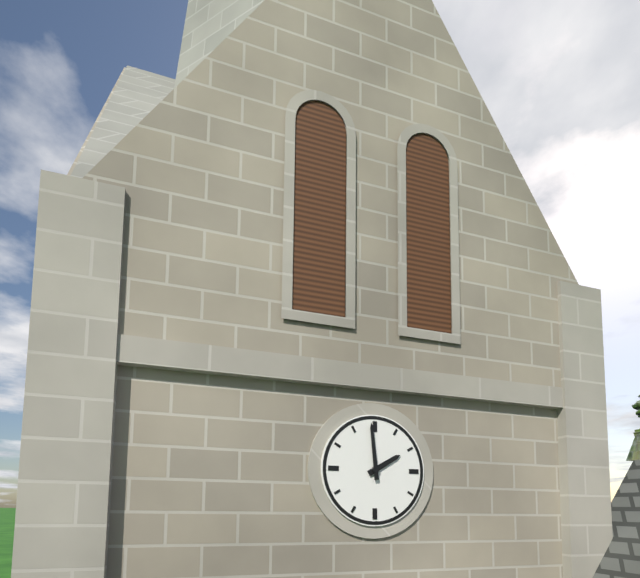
1h59
